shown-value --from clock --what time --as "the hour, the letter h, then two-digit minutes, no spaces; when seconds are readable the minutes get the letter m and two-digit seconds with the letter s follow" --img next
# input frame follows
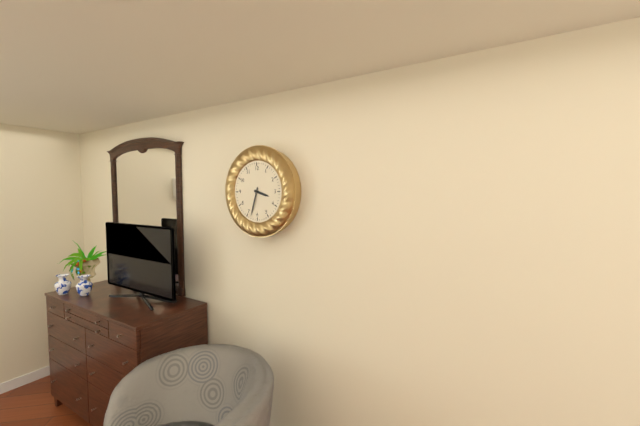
3h33
